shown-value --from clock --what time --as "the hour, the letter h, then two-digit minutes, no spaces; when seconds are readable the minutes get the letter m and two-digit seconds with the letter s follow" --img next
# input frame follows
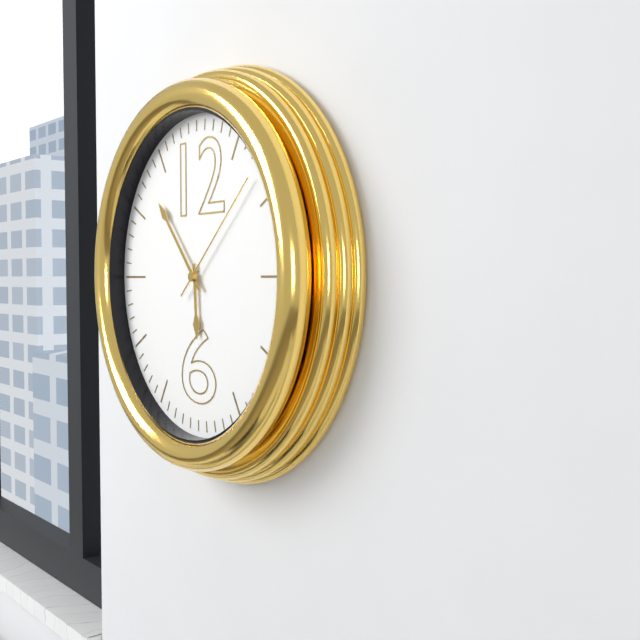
5h53m08s
